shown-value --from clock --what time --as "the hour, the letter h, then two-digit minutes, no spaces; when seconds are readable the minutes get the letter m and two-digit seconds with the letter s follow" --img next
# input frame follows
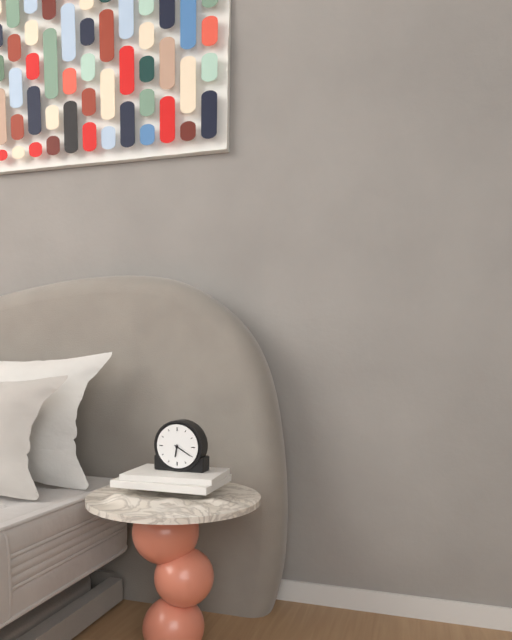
6h20
